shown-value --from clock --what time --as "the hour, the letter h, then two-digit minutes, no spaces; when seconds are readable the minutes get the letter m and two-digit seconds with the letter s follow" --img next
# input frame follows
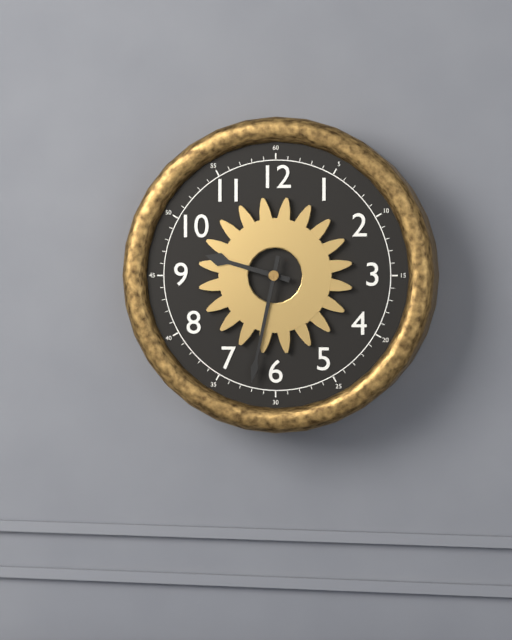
9h32
